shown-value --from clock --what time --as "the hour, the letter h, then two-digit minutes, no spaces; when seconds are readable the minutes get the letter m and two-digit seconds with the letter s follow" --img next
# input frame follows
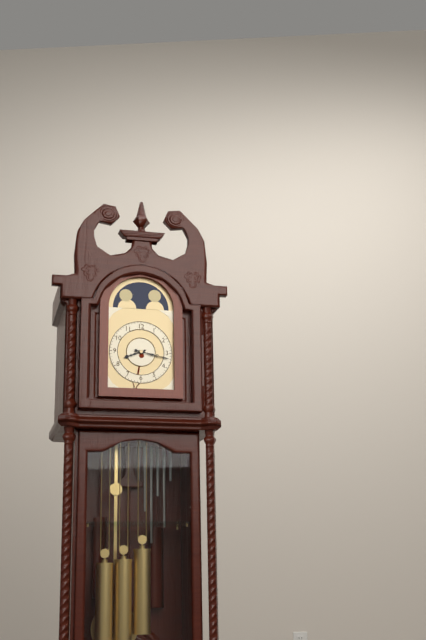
8h17
